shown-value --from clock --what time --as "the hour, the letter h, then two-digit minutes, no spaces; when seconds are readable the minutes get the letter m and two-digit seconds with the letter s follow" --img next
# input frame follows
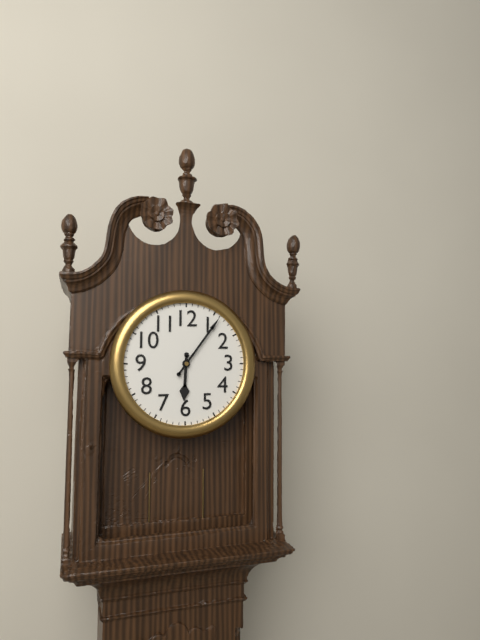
6h06
